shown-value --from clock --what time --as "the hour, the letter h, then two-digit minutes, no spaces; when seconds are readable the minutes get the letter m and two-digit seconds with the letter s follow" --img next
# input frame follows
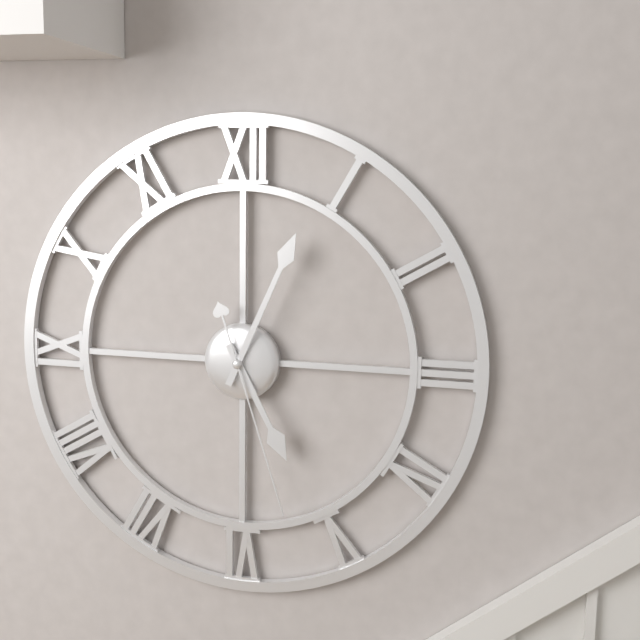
5h04m27s
